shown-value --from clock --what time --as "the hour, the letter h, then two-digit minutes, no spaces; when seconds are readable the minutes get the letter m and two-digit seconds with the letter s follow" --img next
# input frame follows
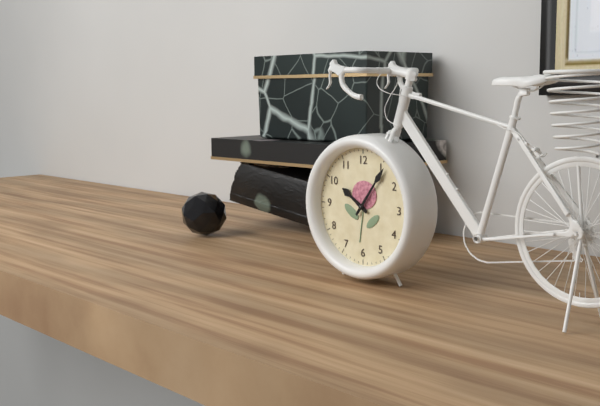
10h06
